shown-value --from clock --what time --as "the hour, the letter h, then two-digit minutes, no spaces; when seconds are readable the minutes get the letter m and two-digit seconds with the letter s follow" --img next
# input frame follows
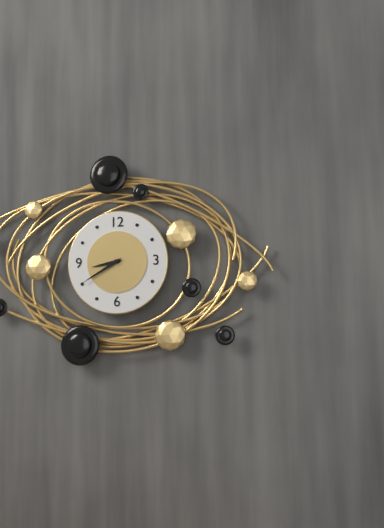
8h40
